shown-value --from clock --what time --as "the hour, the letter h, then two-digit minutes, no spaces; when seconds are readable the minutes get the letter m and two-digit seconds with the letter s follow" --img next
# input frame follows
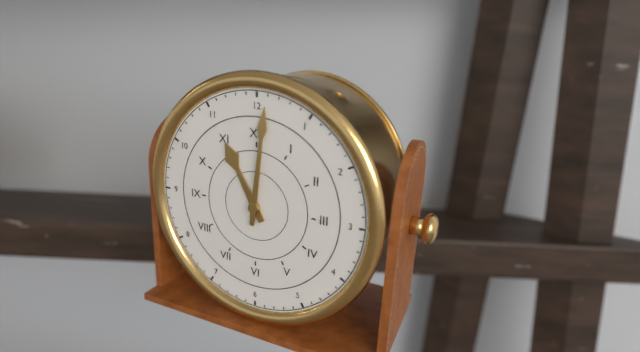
11h01
